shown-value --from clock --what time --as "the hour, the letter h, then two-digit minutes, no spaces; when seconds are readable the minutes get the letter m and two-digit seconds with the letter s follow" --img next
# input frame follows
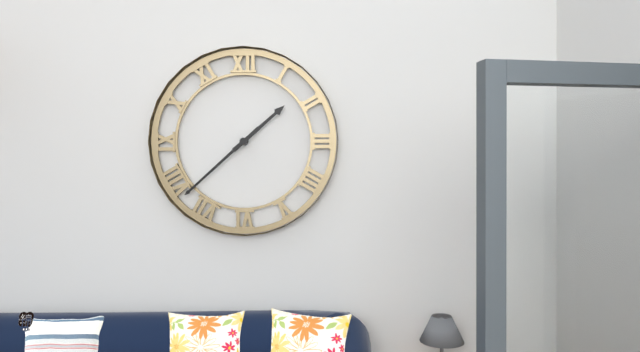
1h38
